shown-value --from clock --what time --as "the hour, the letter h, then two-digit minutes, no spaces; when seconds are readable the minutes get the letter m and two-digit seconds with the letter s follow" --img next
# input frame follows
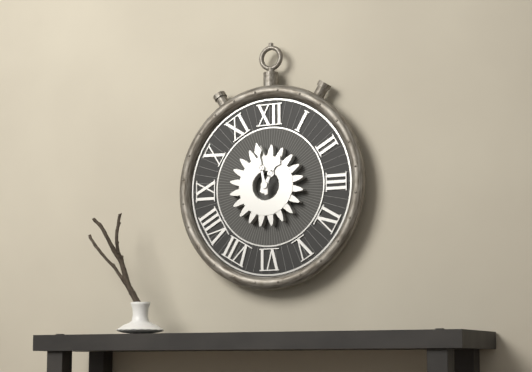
12h58
